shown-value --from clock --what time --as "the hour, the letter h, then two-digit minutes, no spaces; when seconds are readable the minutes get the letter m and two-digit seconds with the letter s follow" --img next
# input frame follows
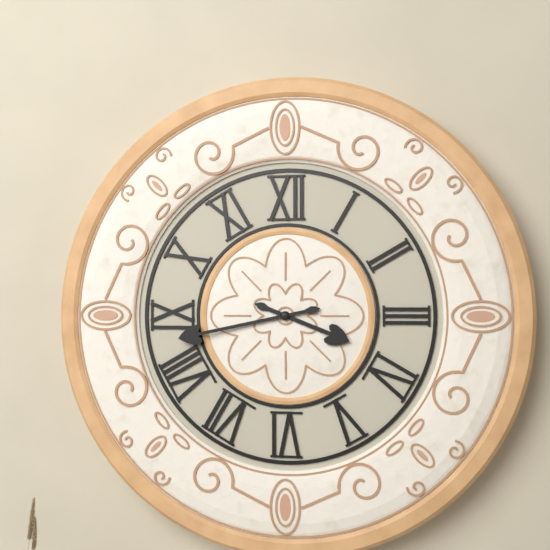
3h43
